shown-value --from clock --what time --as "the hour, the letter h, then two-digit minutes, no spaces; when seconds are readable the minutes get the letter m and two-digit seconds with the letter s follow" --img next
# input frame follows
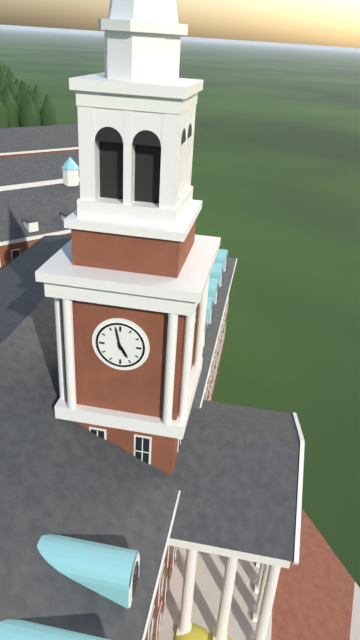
4h58
